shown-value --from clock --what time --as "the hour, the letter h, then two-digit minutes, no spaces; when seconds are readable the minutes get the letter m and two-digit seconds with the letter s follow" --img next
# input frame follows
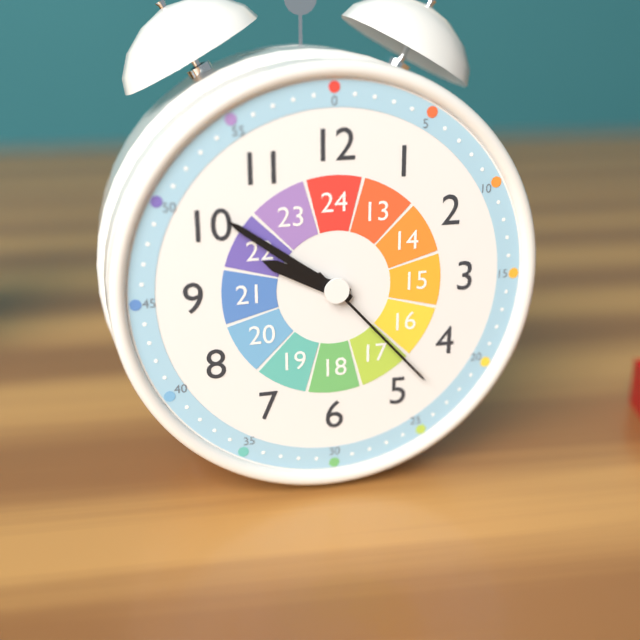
9h51m23s
